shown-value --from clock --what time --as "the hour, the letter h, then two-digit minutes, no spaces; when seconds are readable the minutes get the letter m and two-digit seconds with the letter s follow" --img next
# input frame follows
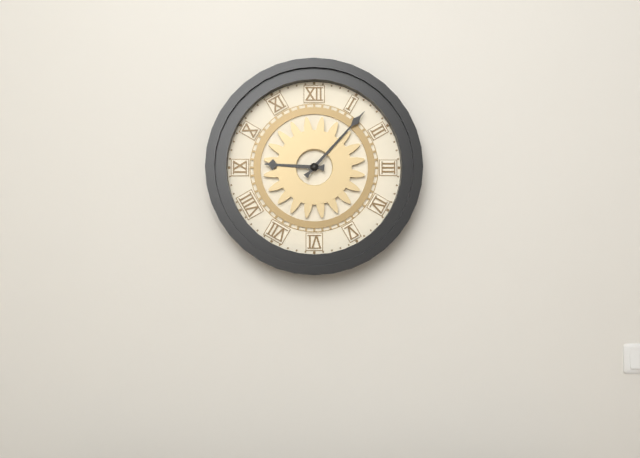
9h07
